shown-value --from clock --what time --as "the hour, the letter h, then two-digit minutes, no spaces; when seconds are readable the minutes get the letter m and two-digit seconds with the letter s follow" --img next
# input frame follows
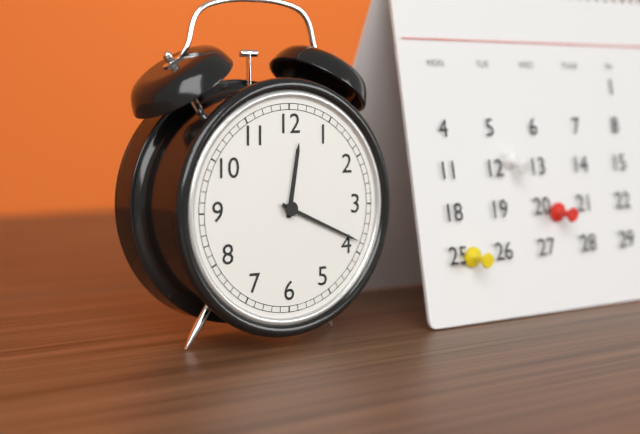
12h19
